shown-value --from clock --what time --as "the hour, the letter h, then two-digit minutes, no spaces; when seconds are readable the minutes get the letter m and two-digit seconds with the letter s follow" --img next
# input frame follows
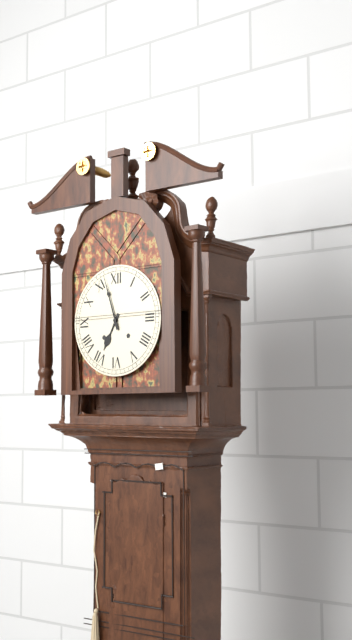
6h57
